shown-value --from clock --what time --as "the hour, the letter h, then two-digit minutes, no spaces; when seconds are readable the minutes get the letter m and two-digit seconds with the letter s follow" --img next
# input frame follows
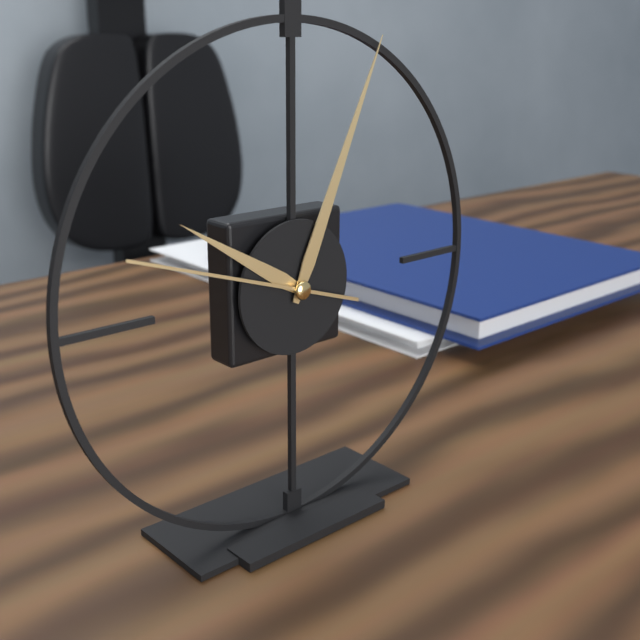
10h04m48s
